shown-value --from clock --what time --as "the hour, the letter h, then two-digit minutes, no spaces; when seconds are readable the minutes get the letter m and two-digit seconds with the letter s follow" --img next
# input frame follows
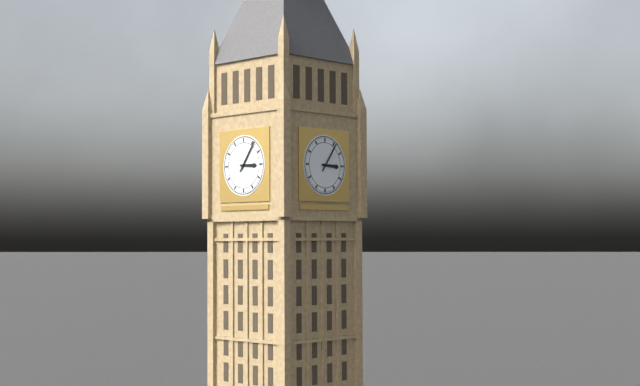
3h06
